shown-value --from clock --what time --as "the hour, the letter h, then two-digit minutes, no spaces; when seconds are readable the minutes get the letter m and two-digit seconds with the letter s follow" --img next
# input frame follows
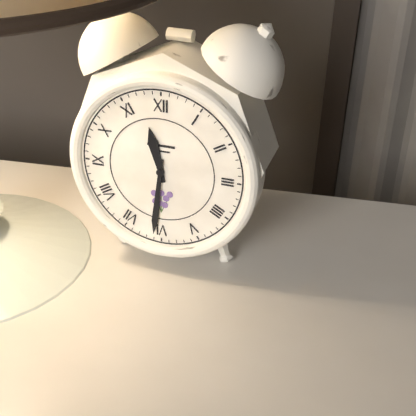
11h31
